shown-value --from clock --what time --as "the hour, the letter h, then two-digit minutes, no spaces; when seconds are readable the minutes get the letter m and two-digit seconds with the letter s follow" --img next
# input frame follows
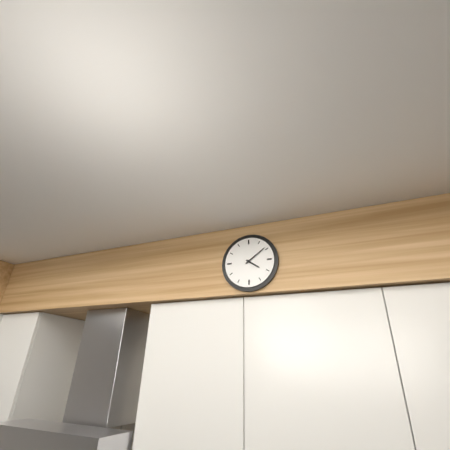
4h09
